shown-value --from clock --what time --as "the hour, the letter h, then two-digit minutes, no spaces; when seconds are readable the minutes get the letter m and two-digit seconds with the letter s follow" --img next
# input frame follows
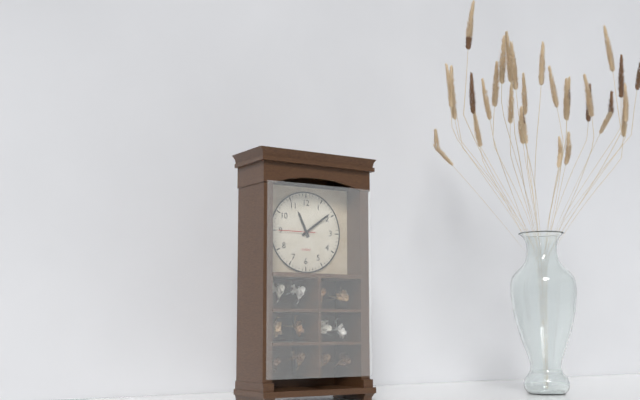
11h09
